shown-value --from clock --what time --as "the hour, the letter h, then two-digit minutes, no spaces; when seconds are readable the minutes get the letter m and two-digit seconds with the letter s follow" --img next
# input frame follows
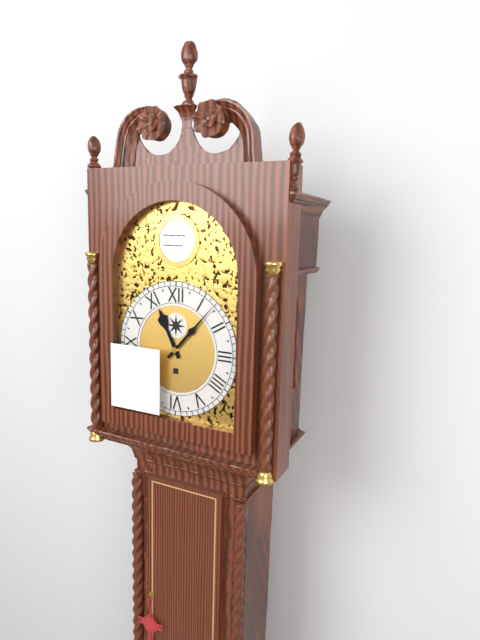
11h07
